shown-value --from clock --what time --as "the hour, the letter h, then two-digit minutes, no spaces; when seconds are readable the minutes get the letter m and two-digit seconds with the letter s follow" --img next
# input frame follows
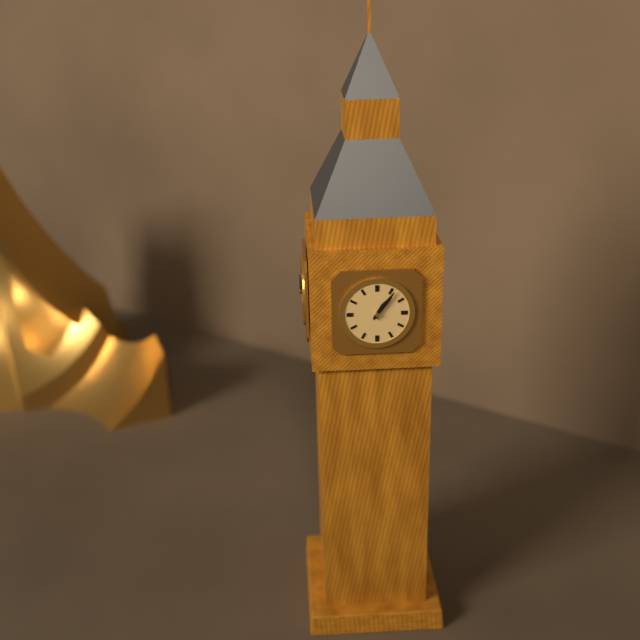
1h06
